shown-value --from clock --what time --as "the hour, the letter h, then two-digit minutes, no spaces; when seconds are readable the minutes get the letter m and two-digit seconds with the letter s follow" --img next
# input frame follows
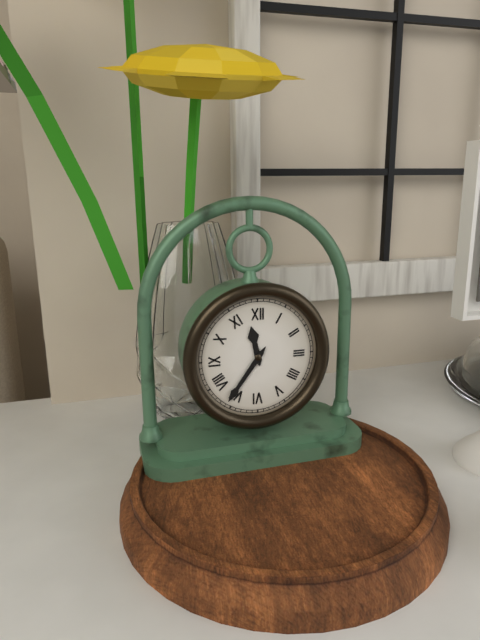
11h36
